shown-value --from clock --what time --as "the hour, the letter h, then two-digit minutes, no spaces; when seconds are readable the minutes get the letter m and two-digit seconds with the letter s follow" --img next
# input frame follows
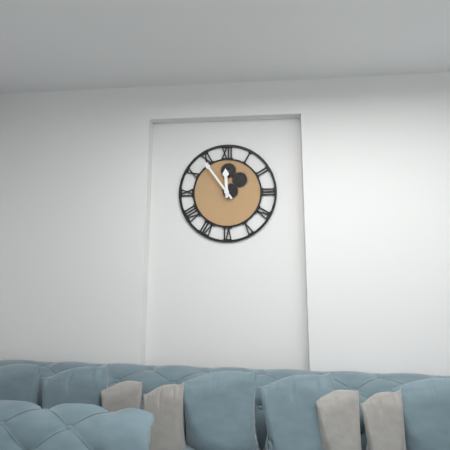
11h54
